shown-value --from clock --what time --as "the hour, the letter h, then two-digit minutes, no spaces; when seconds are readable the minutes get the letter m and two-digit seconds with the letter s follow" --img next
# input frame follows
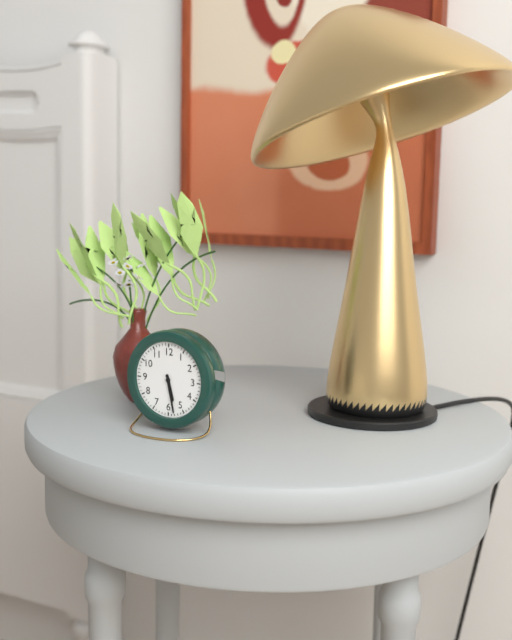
5h28
